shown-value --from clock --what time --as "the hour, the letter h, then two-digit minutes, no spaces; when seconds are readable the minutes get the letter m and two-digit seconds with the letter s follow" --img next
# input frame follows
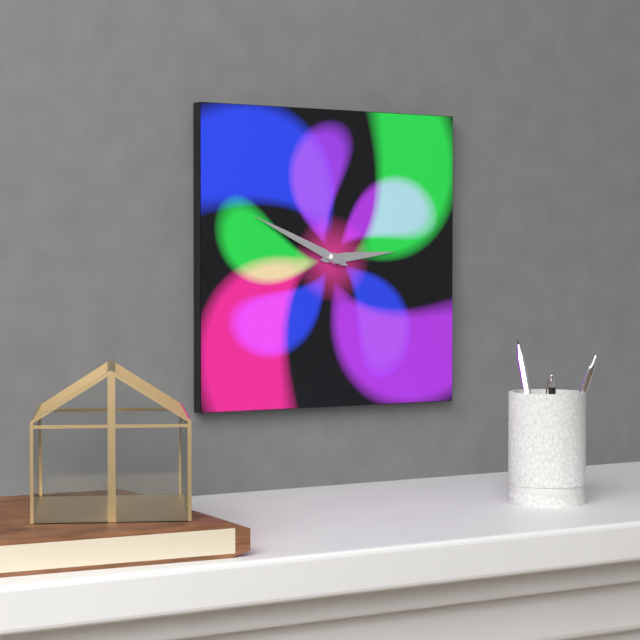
2h49
